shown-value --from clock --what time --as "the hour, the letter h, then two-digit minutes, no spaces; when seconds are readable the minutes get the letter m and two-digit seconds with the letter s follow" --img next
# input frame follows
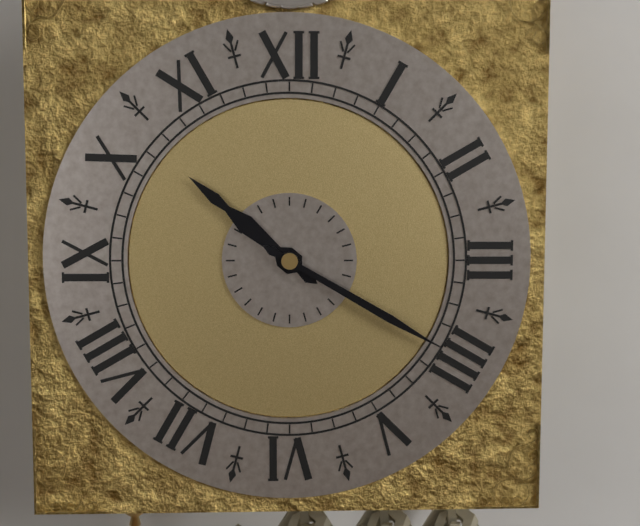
10h20
